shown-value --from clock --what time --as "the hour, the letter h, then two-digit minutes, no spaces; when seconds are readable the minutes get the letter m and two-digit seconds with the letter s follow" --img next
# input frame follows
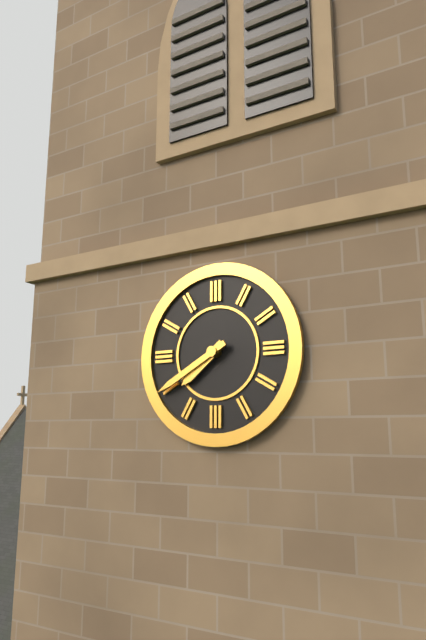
7h40
